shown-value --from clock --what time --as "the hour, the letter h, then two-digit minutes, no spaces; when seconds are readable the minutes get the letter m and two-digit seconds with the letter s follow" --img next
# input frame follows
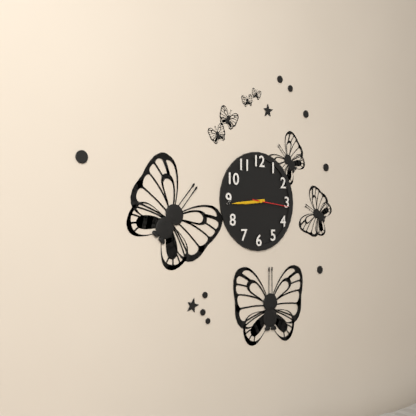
8h44
